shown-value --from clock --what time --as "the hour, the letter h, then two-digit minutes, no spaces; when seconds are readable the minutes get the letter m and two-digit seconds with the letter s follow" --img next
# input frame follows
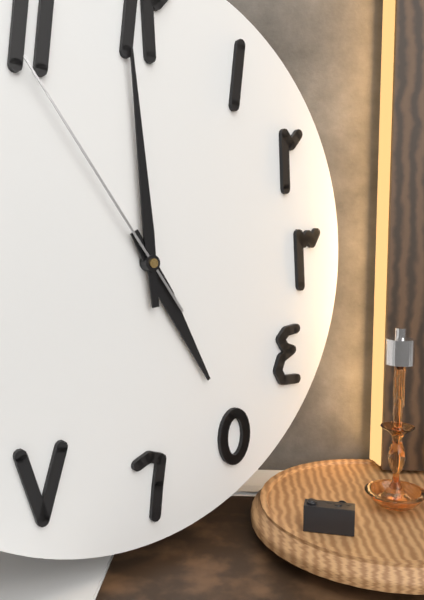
4h59m54s
